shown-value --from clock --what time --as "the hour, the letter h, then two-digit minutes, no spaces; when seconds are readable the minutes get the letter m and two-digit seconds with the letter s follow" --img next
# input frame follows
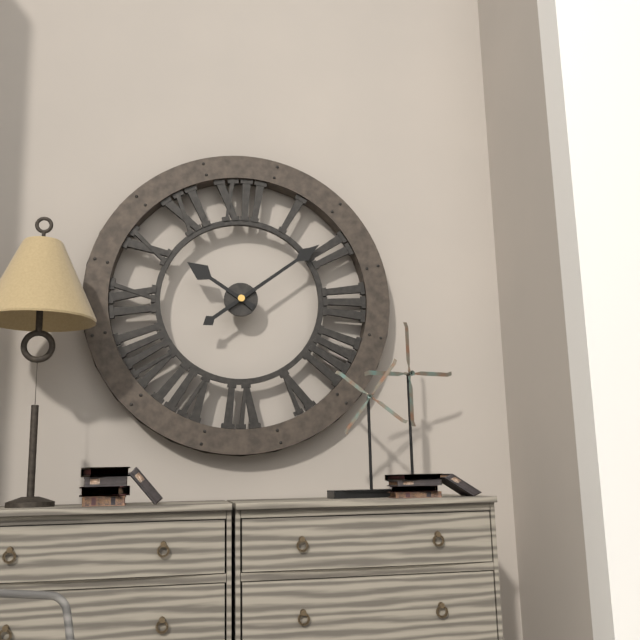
10h09
